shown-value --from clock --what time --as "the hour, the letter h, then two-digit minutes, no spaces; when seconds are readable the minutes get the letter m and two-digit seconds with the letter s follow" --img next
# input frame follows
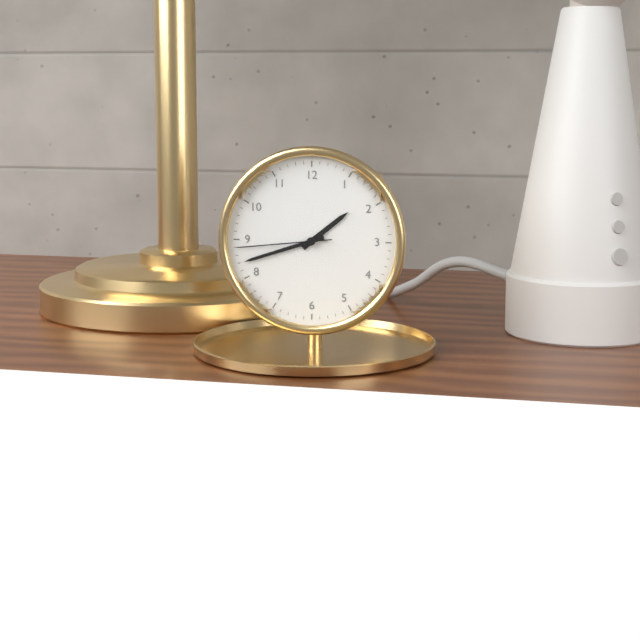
1h42m44s
